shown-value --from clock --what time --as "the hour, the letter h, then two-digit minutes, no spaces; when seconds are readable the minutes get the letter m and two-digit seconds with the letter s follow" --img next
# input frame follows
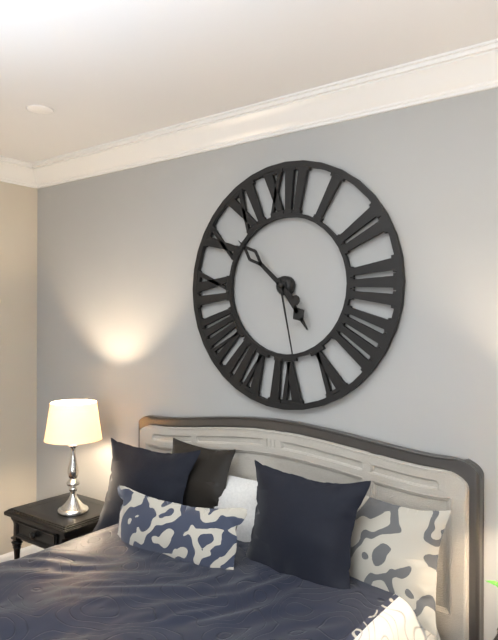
4h52m28s
